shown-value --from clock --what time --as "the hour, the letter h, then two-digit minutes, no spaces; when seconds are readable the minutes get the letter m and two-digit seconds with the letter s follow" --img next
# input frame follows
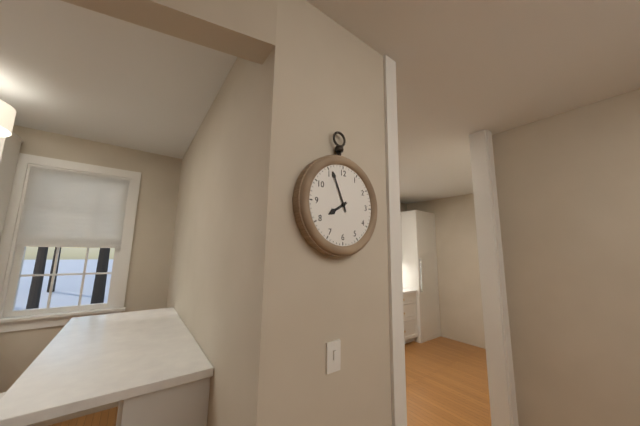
7h56
